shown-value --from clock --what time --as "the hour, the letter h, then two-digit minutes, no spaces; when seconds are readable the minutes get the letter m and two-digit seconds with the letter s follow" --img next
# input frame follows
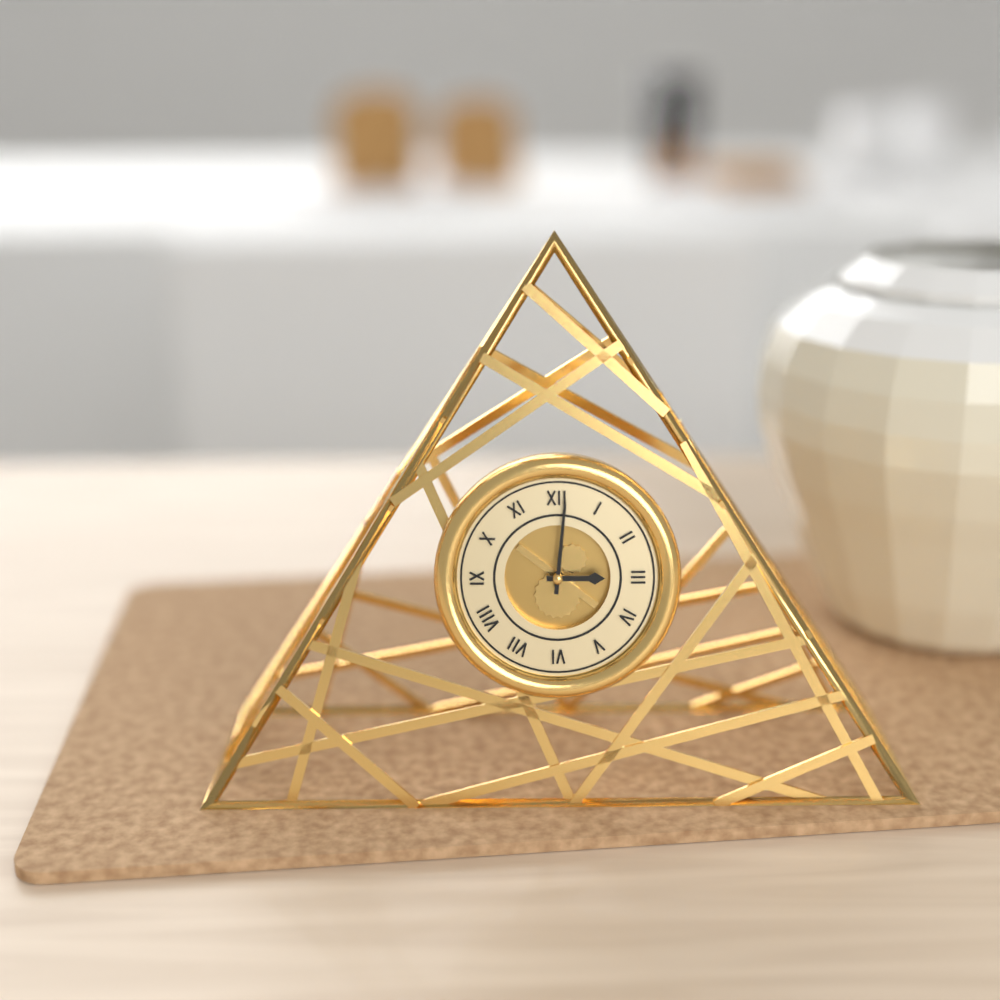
3h01
